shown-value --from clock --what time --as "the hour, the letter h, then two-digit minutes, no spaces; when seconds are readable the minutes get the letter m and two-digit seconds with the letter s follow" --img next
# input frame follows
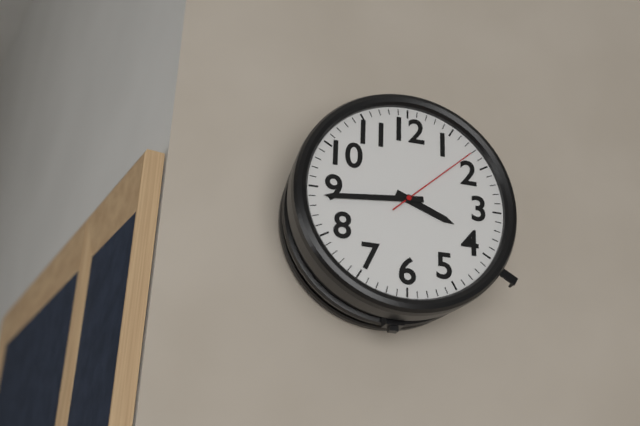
3h44m08s
